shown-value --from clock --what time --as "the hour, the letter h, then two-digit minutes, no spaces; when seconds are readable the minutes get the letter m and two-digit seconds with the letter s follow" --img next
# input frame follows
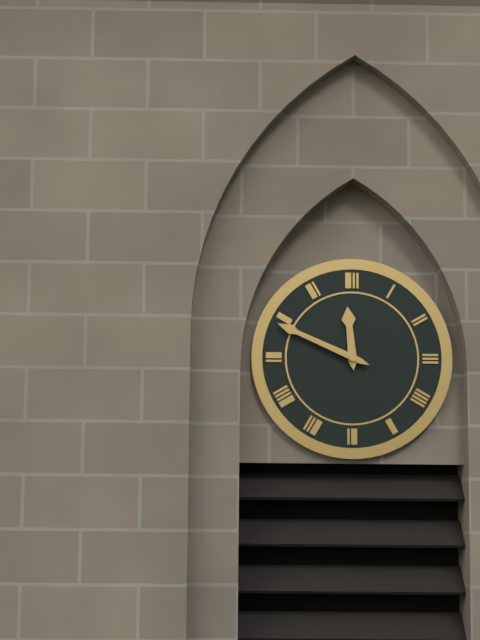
11h49
